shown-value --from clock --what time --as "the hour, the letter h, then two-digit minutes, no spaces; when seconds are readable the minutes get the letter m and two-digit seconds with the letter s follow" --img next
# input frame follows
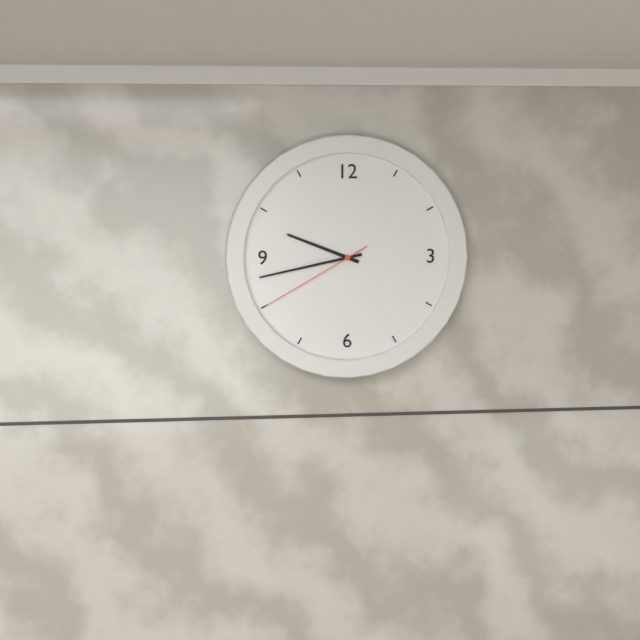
9h43m40s
